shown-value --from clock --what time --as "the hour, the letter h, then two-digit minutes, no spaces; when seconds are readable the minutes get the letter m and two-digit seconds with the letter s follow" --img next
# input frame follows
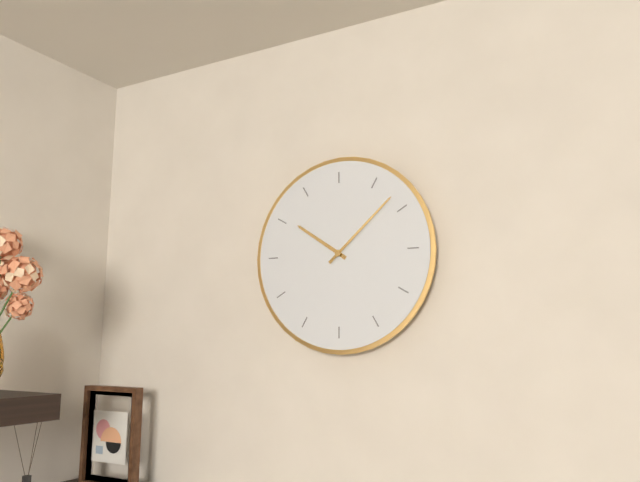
10h08
